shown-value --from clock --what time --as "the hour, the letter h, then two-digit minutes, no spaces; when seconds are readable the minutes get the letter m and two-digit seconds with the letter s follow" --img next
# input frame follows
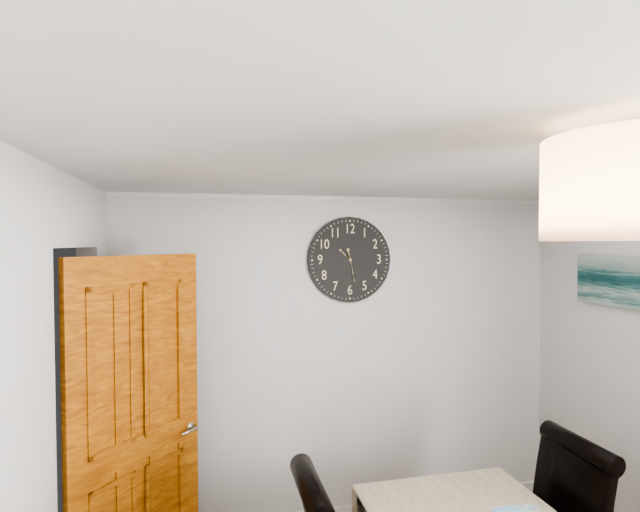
10h28
